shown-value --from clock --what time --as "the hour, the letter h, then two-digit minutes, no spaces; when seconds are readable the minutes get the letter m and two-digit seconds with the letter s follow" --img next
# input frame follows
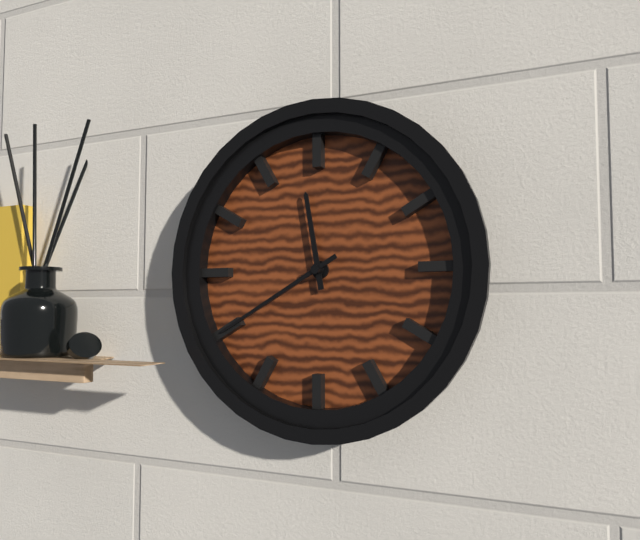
11h40
